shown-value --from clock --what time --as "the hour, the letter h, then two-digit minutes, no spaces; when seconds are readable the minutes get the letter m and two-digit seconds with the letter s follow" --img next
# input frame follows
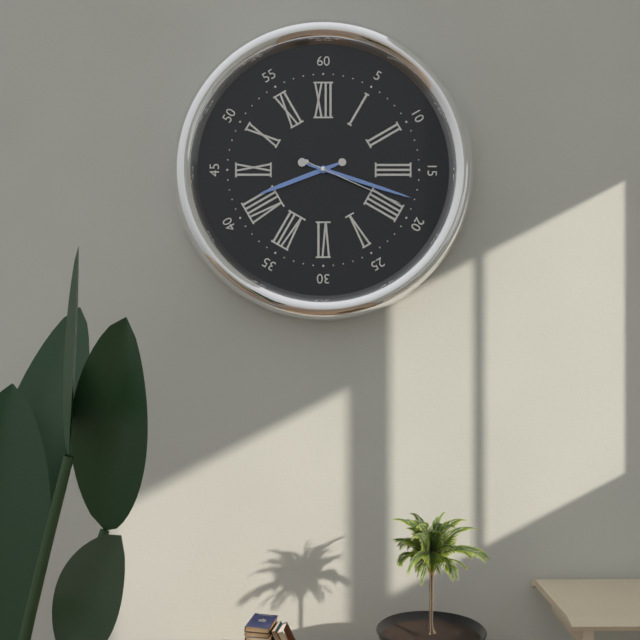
8h18m19s
